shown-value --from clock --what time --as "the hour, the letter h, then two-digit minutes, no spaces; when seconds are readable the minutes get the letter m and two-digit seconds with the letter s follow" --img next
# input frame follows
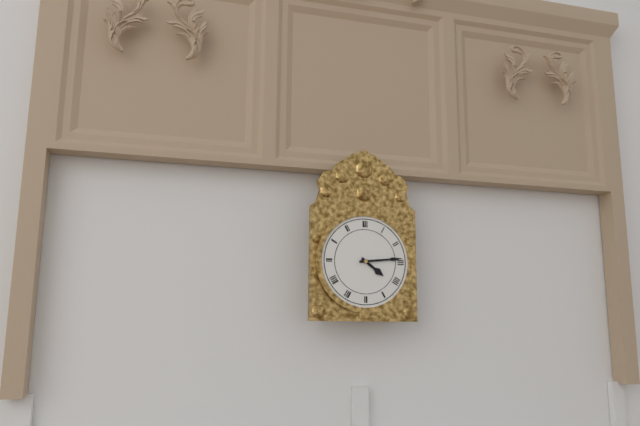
4h14
